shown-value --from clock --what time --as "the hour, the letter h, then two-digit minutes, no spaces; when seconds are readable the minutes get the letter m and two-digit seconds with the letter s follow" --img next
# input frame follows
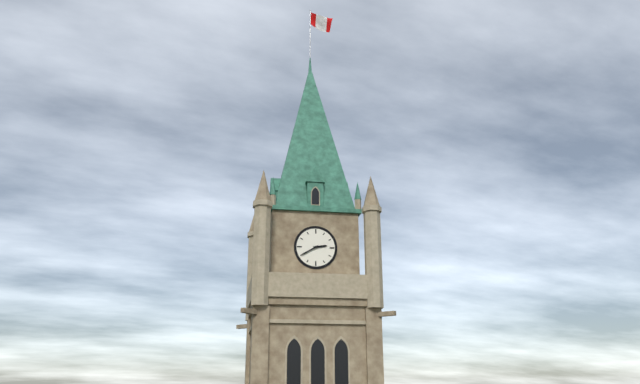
2h40
